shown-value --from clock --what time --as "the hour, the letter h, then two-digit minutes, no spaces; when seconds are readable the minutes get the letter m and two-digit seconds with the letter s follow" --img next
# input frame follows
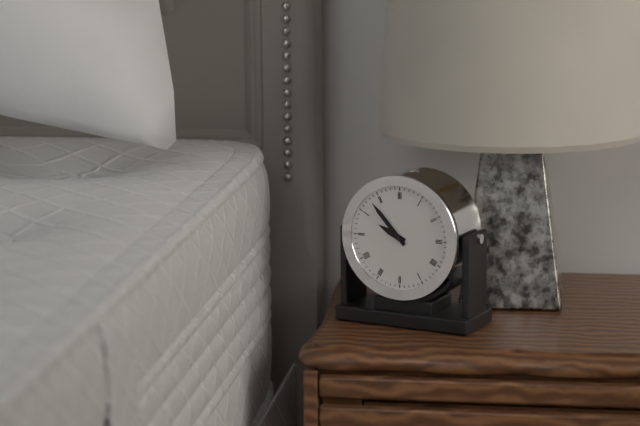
9h53
